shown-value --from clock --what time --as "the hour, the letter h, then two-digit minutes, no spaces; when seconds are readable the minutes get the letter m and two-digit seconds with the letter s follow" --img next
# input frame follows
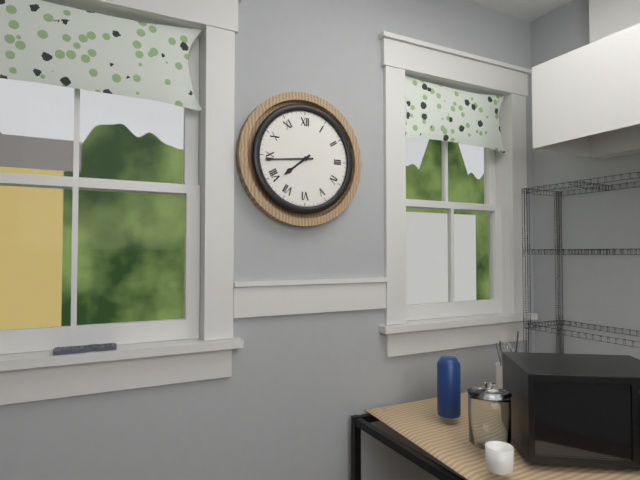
7h44
